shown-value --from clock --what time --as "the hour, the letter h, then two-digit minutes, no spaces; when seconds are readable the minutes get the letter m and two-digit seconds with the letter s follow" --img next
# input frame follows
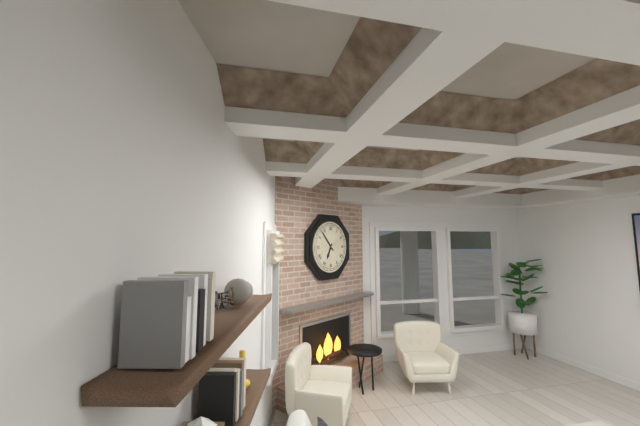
6h53
